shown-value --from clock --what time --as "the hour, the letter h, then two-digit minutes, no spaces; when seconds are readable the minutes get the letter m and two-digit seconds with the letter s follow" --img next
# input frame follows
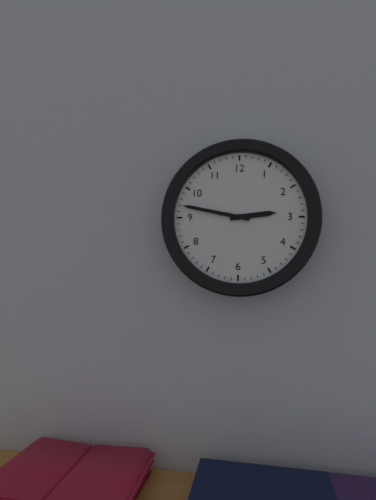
2h47
